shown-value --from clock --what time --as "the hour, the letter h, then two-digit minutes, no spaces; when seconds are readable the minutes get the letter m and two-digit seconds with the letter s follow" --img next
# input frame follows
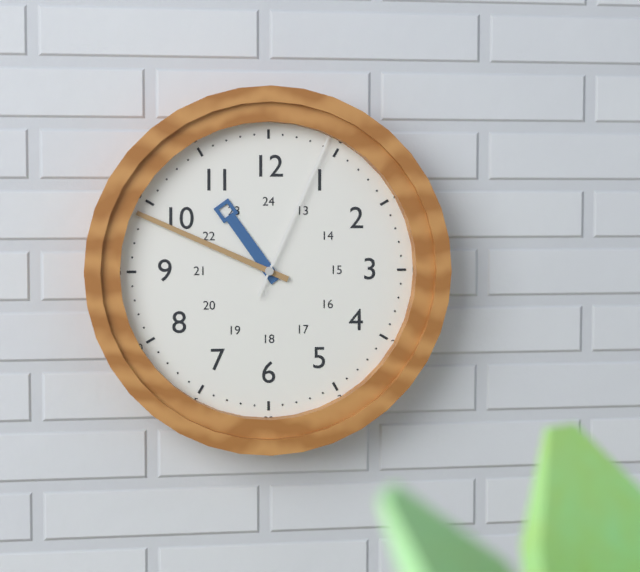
10h49m04s
